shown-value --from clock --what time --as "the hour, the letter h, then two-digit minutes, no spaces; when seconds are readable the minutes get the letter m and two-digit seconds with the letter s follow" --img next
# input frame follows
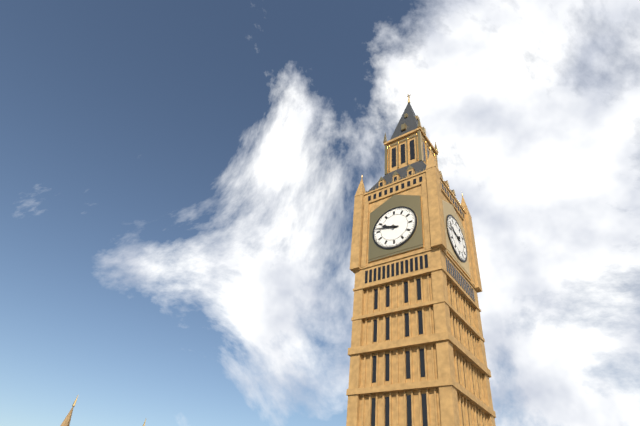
9h47
